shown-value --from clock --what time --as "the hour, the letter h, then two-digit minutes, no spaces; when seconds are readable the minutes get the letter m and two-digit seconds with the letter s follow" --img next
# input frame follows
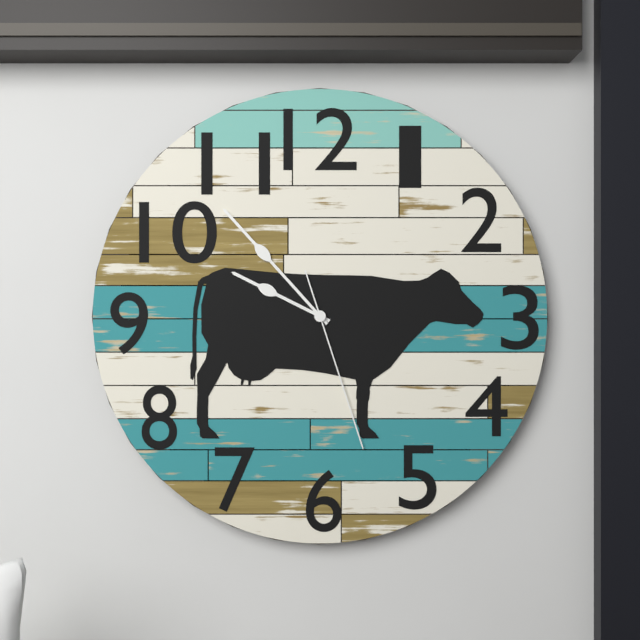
9h53m27s
